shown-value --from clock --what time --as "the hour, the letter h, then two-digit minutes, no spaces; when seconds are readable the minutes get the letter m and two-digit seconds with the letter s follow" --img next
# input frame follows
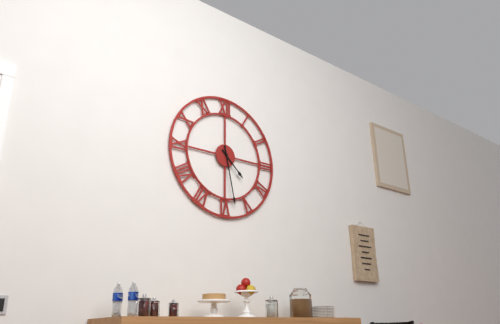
4h28
